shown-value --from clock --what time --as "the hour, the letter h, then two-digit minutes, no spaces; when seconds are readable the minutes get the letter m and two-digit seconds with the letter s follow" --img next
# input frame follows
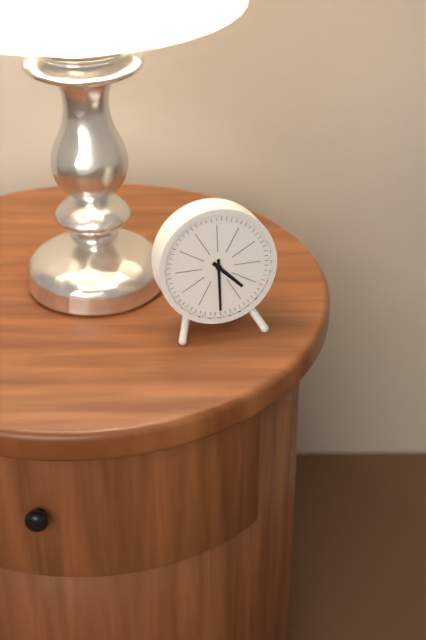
4h30
